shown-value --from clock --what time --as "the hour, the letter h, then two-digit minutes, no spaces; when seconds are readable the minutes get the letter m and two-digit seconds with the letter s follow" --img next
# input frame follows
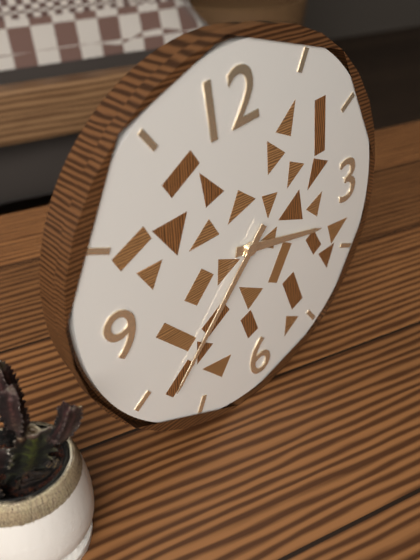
3h38
